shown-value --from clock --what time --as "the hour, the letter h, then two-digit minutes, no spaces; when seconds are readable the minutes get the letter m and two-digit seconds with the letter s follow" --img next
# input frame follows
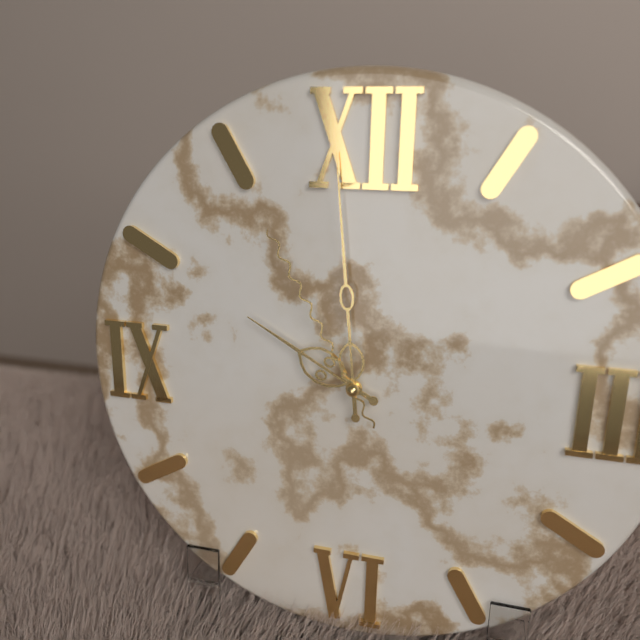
9h59m55s
